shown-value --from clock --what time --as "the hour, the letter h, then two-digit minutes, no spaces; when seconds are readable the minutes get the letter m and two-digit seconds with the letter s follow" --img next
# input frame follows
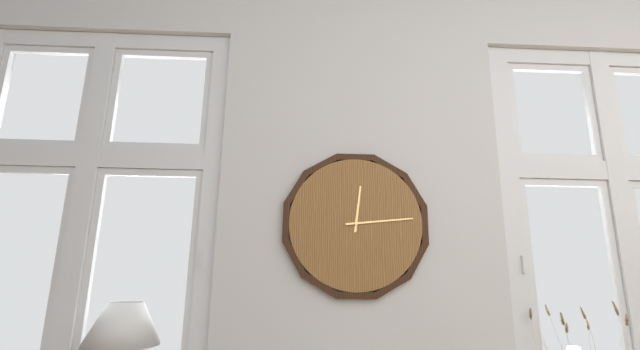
12h14
